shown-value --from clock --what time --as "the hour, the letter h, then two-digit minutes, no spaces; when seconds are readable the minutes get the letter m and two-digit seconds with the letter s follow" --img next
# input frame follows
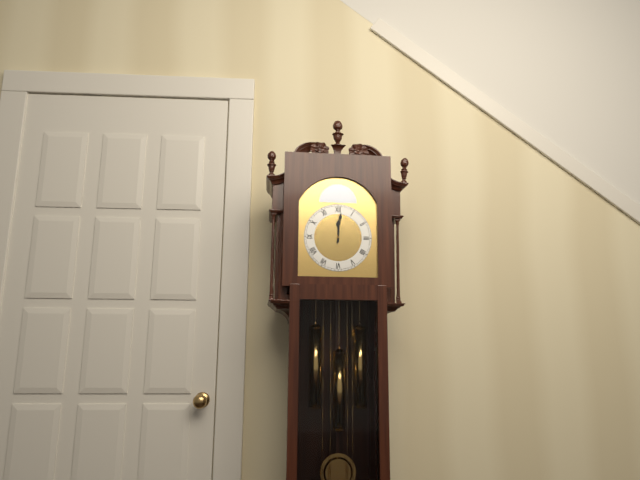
12h01
